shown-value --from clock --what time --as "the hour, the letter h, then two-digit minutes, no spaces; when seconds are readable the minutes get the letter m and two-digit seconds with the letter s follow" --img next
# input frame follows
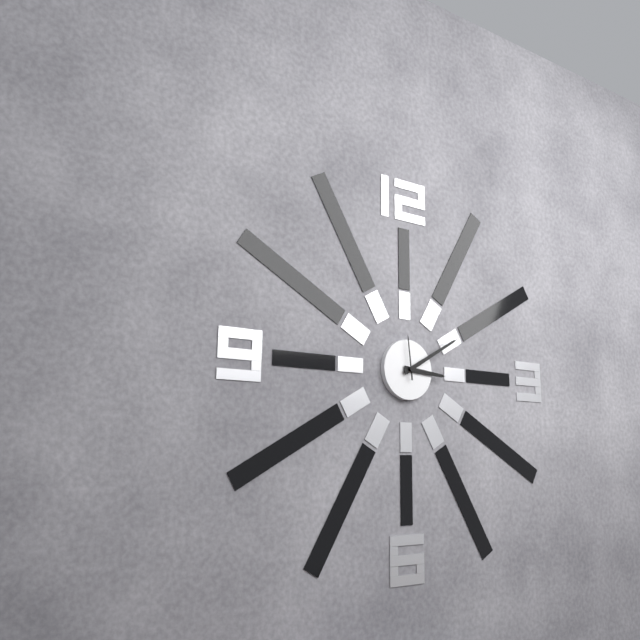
3h10
